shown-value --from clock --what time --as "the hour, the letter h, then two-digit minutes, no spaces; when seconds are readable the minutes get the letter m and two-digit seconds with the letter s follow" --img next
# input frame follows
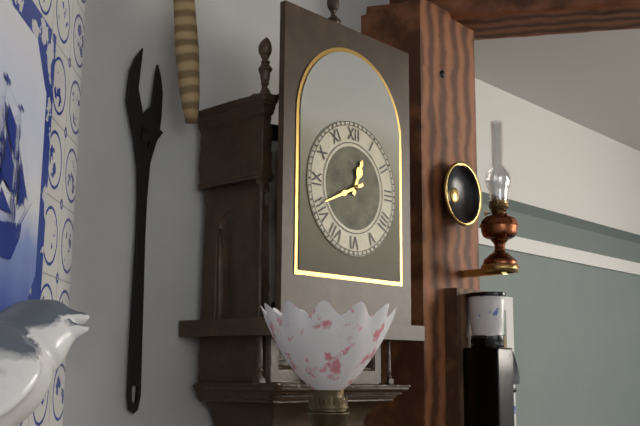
12h41
